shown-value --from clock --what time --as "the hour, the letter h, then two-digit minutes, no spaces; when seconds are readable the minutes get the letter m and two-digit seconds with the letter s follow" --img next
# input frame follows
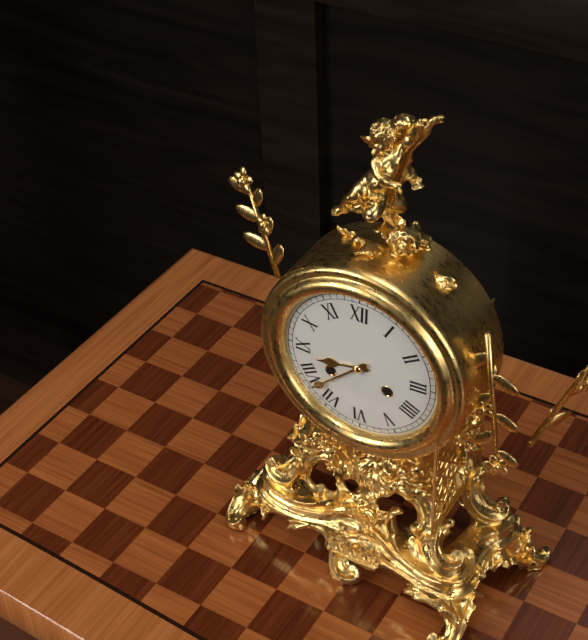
8h38
